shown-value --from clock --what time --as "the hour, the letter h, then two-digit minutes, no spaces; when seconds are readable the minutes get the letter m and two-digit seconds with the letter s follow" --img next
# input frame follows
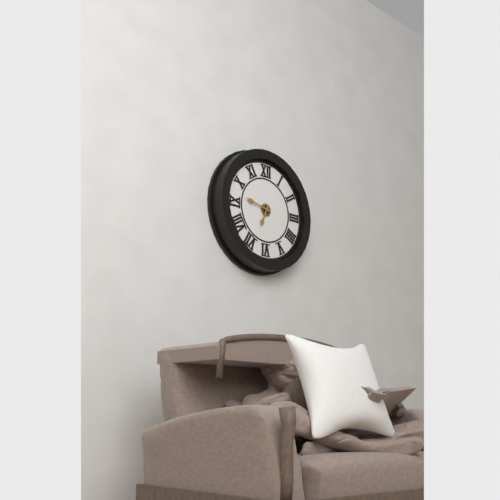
6h47
